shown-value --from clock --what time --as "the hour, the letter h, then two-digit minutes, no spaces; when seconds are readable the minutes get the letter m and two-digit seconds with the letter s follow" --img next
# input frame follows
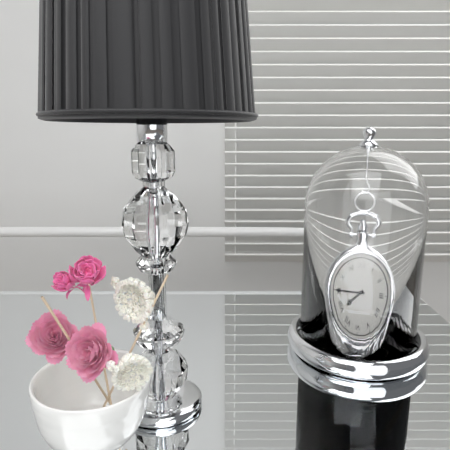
7h45
